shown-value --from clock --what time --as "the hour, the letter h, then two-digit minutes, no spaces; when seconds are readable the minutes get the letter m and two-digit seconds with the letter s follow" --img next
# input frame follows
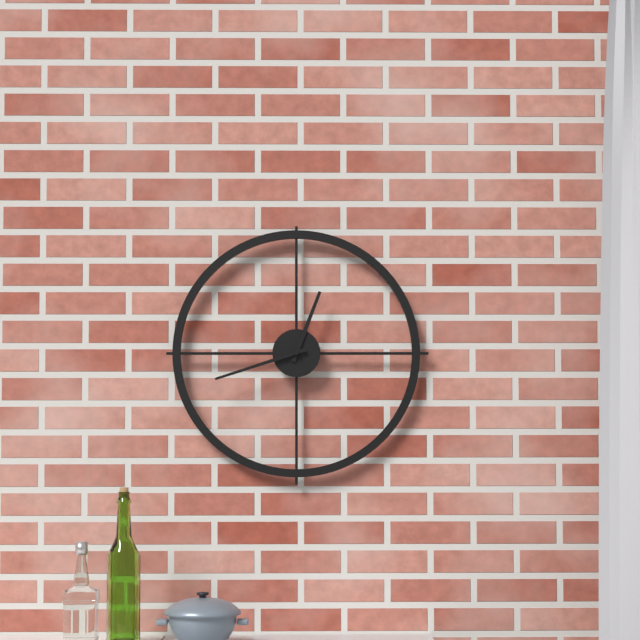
12h42
